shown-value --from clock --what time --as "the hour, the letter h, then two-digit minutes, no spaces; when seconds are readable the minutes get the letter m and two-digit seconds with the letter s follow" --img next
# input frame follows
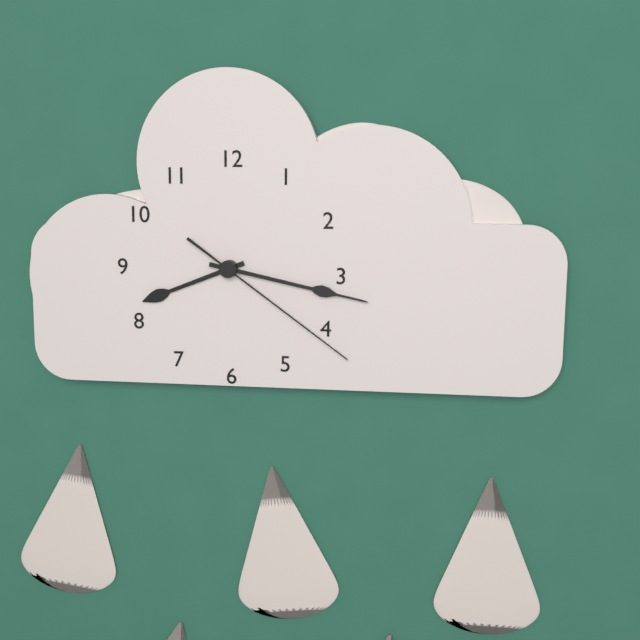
8h17m21s
